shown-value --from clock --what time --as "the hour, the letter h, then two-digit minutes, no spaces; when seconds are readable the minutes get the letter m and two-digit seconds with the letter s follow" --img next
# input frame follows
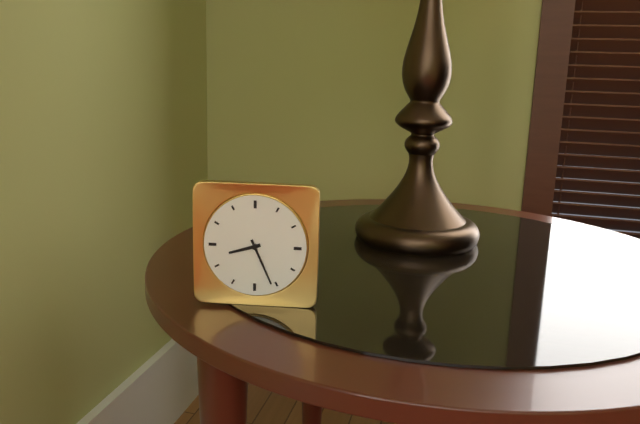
8h26
